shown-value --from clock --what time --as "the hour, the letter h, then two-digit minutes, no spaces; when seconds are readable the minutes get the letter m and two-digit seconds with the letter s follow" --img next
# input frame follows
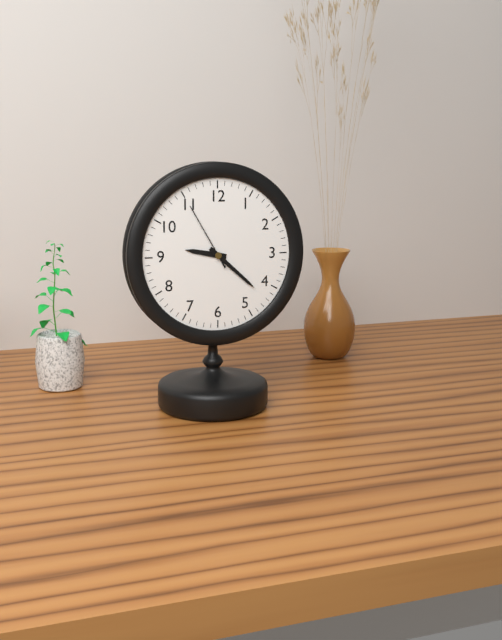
9h22m55s
